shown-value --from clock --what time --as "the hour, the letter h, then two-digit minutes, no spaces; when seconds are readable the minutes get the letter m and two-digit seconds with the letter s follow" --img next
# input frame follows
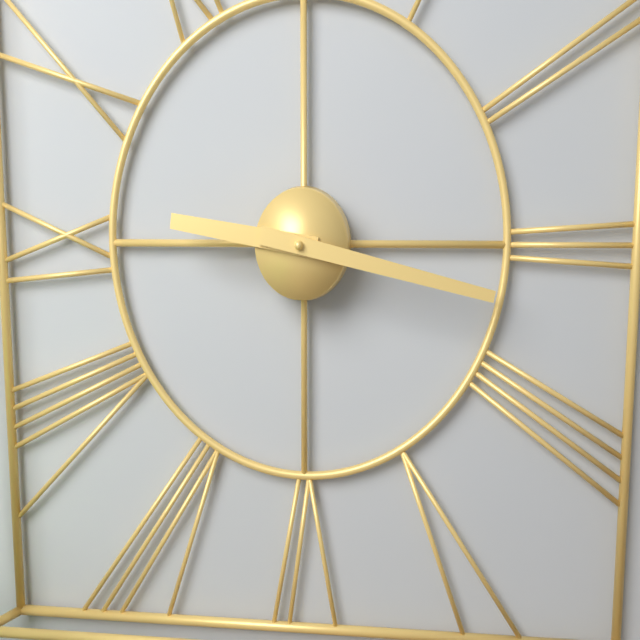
9h17
